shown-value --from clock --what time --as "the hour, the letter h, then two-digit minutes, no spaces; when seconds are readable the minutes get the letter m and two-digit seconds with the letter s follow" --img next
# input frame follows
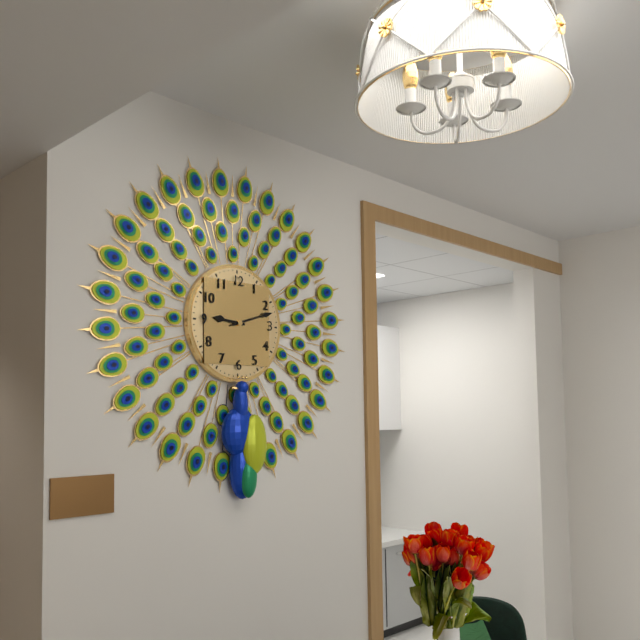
9h12
